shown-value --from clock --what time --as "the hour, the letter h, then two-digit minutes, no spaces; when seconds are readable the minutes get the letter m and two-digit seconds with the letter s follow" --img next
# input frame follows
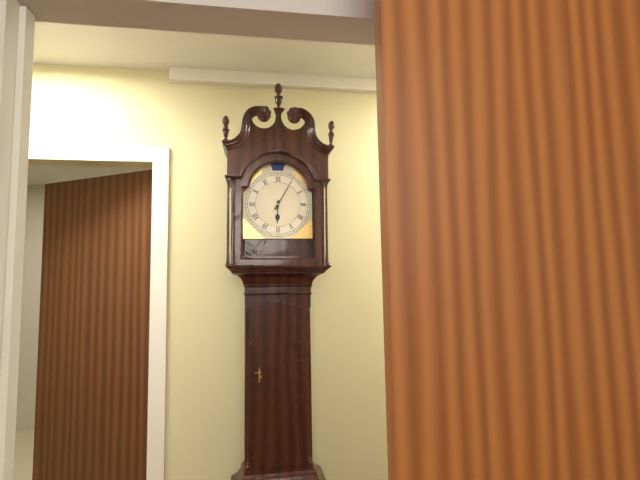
6h05
